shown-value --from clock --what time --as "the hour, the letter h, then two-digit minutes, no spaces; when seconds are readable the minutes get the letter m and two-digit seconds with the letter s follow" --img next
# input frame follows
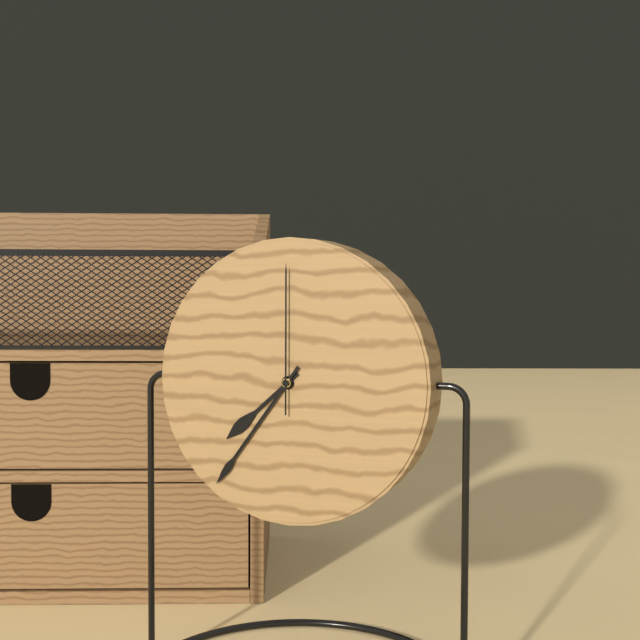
7h36m00s
